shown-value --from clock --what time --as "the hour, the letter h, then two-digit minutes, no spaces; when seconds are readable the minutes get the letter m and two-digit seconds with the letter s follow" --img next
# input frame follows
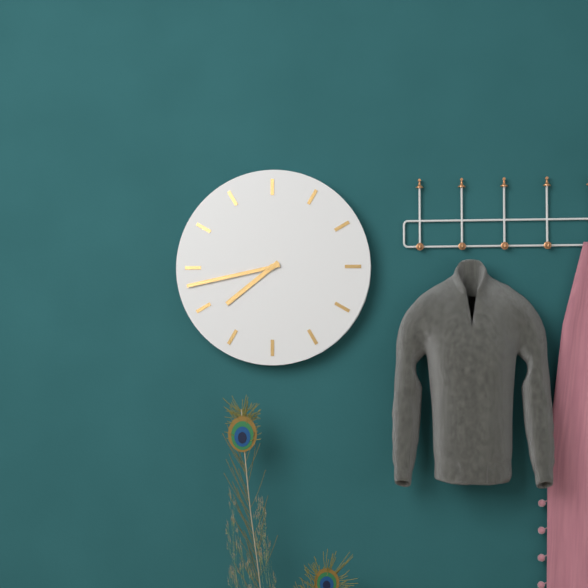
7h43
